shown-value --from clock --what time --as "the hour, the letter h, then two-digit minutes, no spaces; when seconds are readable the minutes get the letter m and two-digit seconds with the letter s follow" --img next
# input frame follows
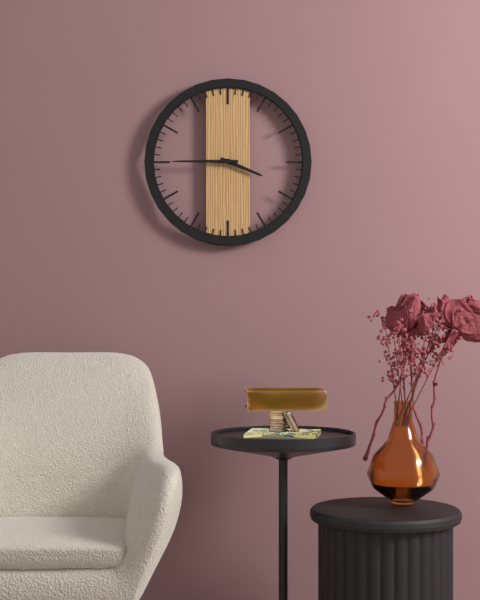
3h45
